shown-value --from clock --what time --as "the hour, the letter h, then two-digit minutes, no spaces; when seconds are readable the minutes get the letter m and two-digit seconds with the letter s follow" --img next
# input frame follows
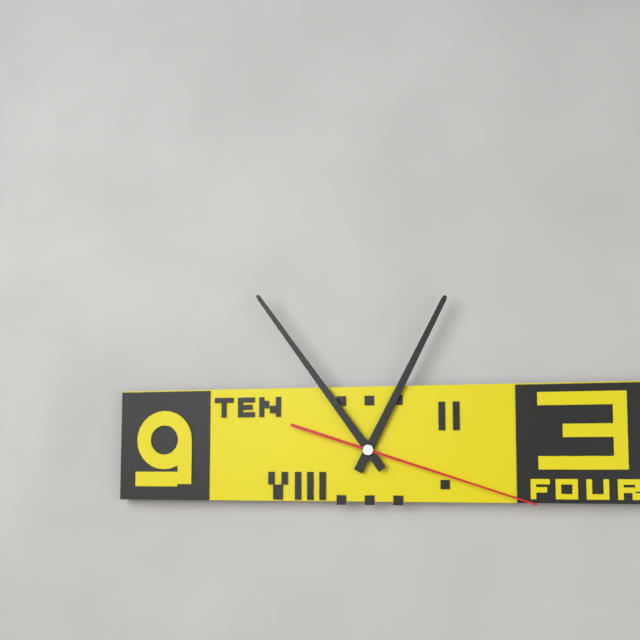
12h54m18s
